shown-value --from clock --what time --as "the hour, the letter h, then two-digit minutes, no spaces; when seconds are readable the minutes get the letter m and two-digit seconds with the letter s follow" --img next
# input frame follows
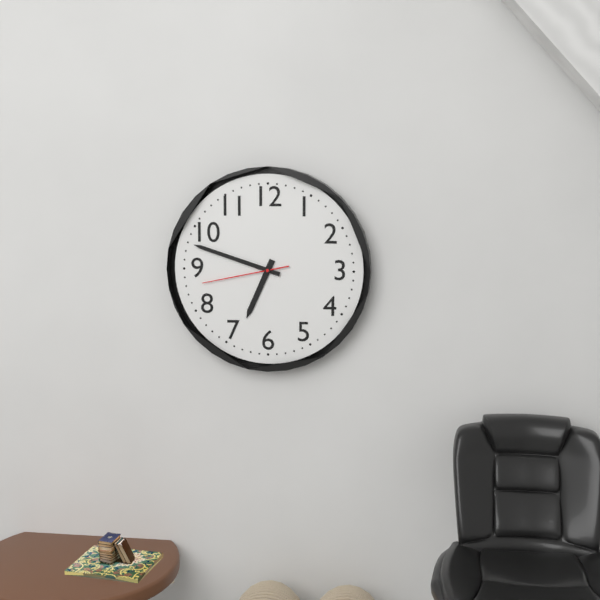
6h48m43s
